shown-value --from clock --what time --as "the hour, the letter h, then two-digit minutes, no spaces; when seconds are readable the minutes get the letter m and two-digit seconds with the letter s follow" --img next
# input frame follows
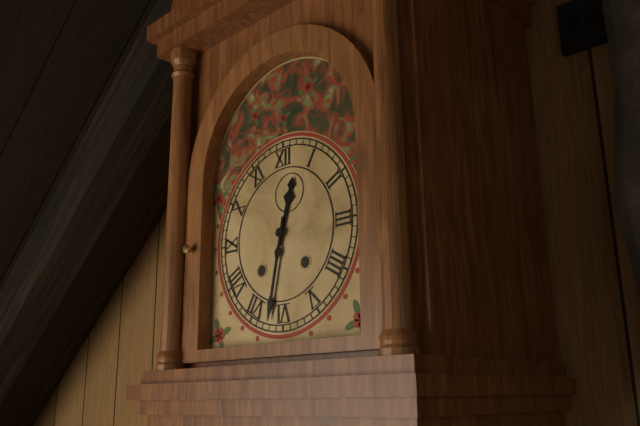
12h32
